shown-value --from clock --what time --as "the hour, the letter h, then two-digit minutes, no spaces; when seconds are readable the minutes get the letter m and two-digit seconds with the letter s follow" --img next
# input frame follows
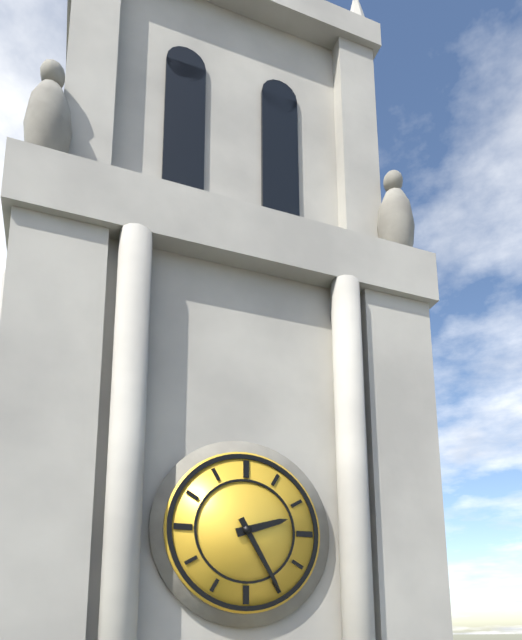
2h25
